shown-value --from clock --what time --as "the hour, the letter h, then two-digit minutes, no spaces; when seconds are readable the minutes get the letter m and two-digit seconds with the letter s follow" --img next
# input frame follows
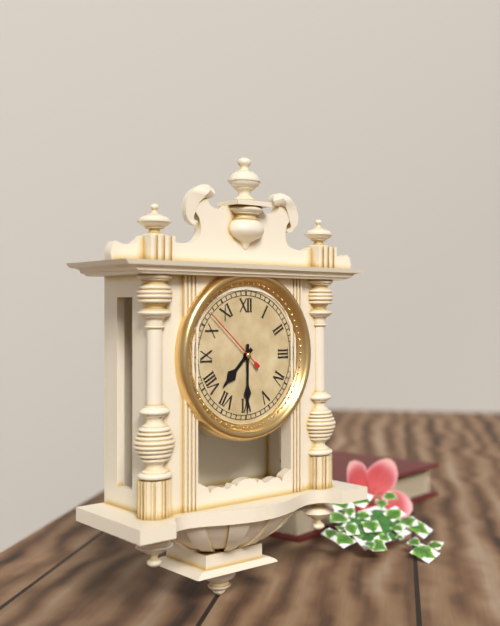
7h30m52s
